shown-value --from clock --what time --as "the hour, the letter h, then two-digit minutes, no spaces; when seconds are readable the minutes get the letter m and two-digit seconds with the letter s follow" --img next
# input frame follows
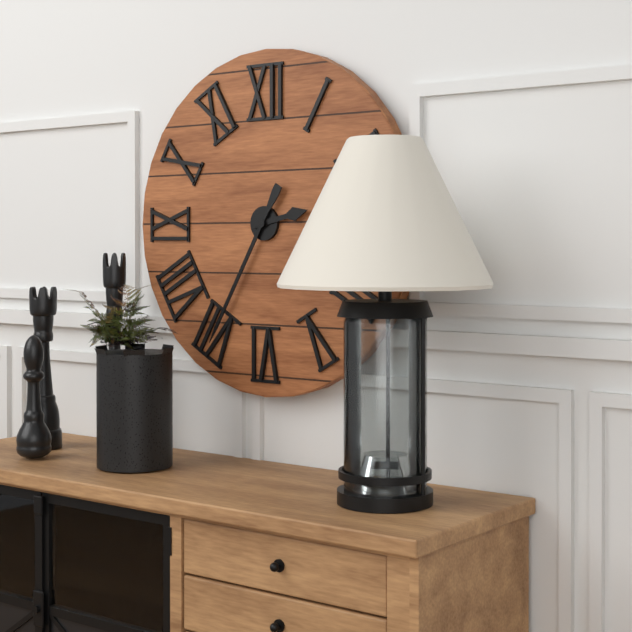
2h35
